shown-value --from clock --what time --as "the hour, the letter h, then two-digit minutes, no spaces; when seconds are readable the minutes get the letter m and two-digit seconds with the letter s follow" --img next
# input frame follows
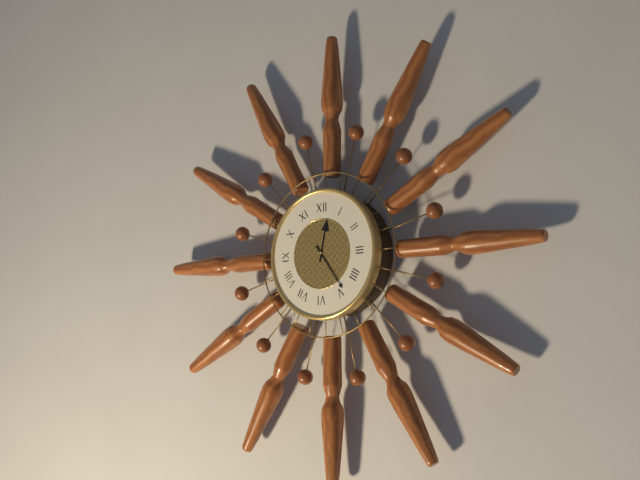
12h24
